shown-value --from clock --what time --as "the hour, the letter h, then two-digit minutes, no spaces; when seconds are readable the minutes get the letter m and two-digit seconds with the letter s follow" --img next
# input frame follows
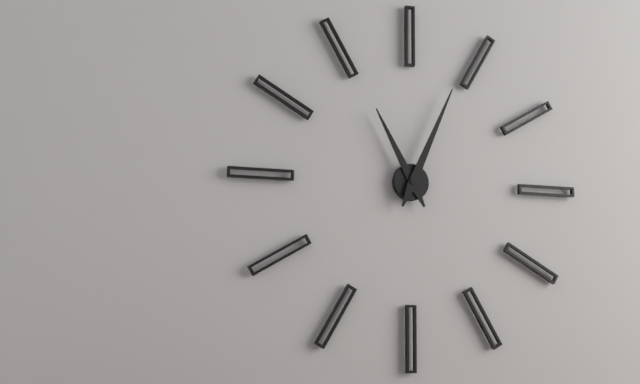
11h04
